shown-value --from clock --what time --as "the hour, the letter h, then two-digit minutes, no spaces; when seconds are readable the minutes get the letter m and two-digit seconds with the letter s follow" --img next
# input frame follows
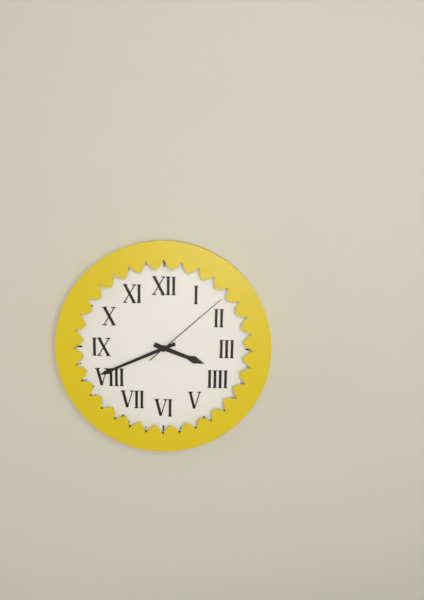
3h41m08s
